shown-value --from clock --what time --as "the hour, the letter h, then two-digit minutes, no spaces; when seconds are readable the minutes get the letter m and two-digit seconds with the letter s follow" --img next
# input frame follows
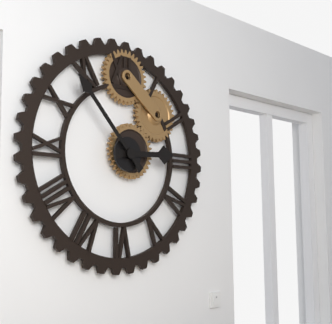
2h53
